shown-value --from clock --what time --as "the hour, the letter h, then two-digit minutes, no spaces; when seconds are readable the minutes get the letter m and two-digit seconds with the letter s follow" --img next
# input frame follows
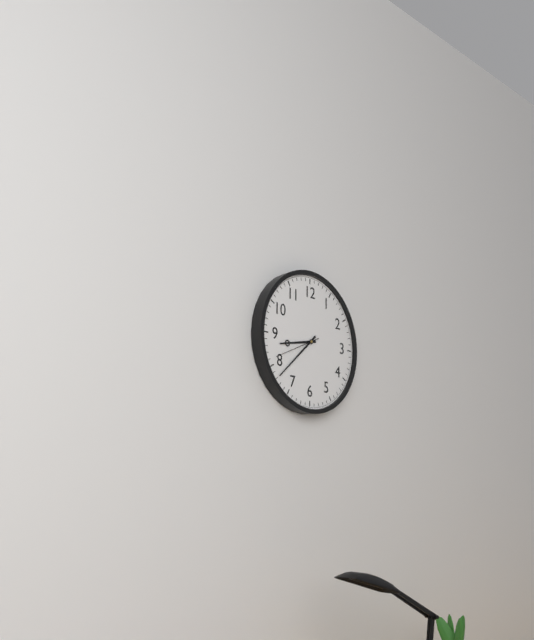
8h38
